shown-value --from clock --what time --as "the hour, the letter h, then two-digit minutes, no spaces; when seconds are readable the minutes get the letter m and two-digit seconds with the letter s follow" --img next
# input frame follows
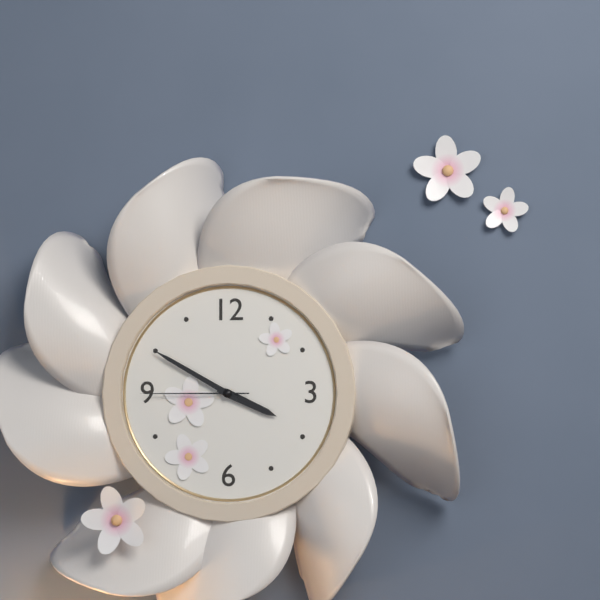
3h50m45s
